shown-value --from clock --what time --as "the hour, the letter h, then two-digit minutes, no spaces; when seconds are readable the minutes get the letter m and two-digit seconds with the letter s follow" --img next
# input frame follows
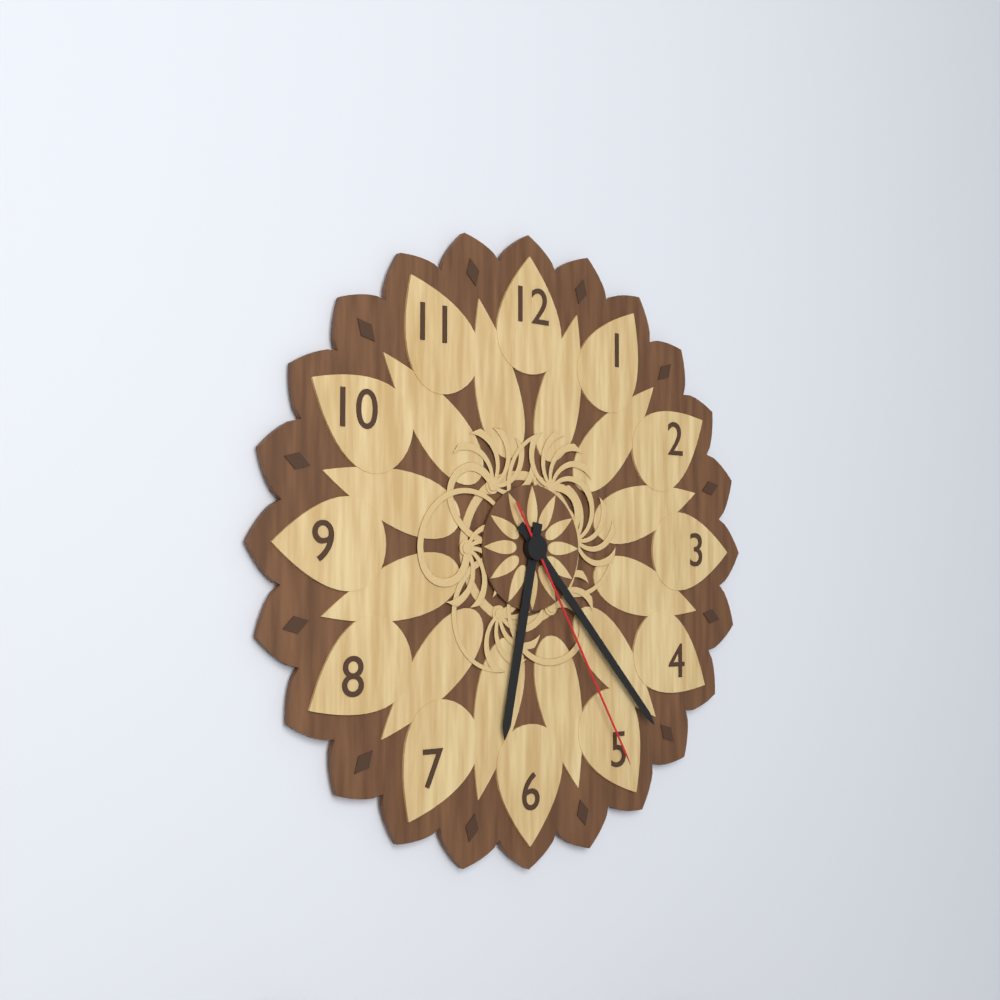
6h23m25s
